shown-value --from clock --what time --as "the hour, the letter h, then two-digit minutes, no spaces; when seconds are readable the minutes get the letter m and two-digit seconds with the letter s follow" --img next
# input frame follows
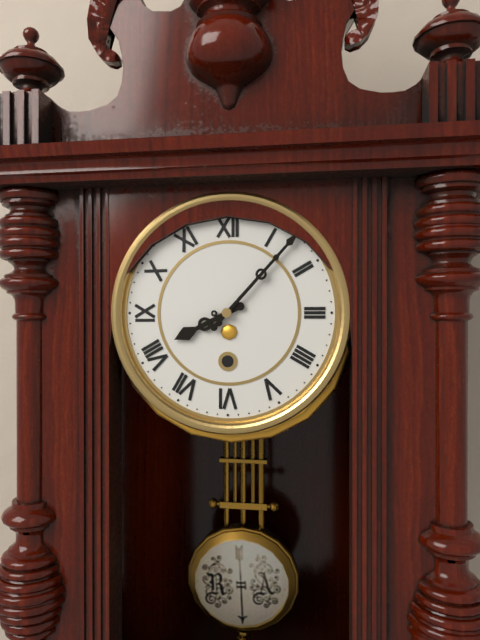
8h07
